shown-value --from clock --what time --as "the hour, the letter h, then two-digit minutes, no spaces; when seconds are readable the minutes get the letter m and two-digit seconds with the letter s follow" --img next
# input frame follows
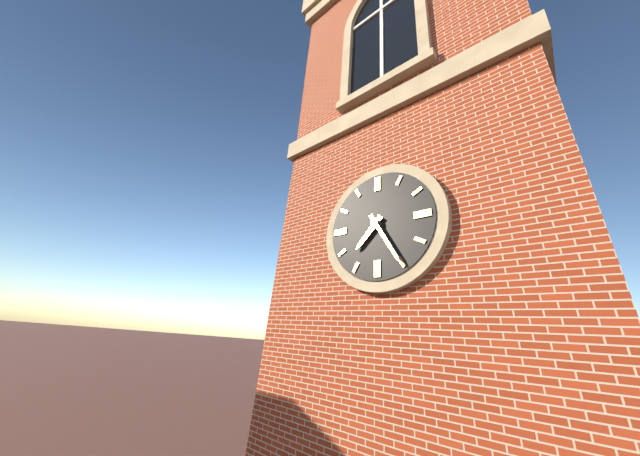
7h25
